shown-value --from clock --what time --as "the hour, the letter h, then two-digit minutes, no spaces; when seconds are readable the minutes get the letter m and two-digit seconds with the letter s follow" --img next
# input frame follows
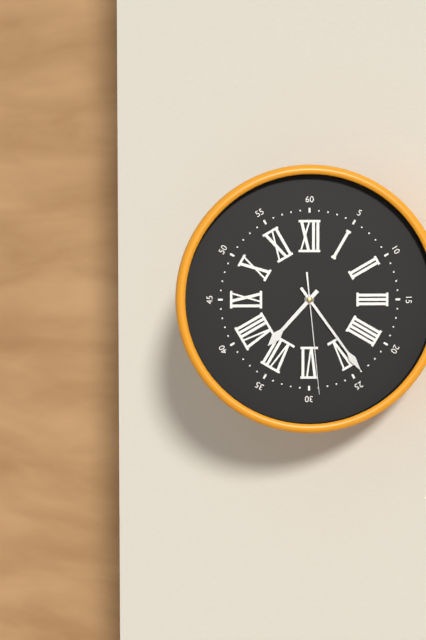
7h24m29s
